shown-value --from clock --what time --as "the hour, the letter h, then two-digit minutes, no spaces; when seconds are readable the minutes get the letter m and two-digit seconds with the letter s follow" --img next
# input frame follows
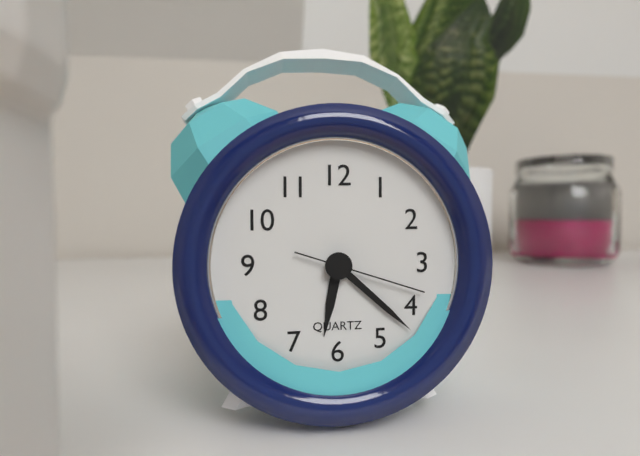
6h22m18s
